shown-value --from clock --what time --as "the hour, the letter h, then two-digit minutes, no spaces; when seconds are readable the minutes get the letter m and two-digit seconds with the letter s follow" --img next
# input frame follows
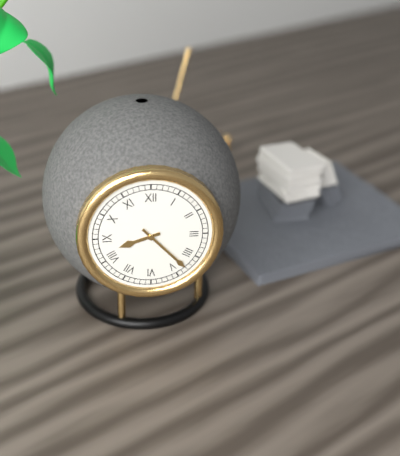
8h23
